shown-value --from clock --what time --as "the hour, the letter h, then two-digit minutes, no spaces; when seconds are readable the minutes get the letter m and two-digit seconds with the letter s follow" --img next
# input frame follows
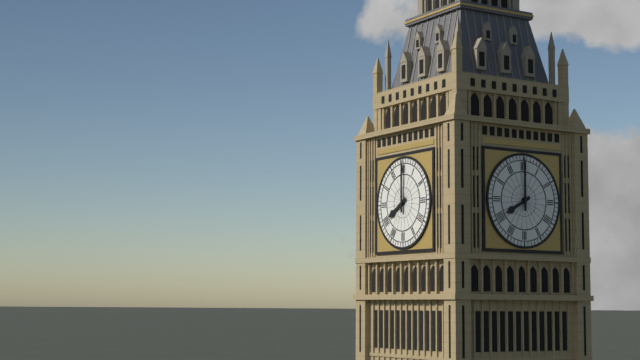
8h00
